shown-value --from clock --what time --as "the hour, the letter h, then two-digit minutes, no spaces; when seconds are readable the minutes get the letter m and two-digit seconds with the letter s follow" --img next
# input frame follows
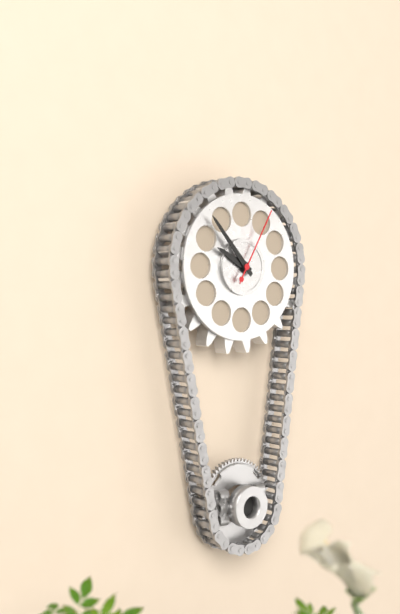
9h53m05s
